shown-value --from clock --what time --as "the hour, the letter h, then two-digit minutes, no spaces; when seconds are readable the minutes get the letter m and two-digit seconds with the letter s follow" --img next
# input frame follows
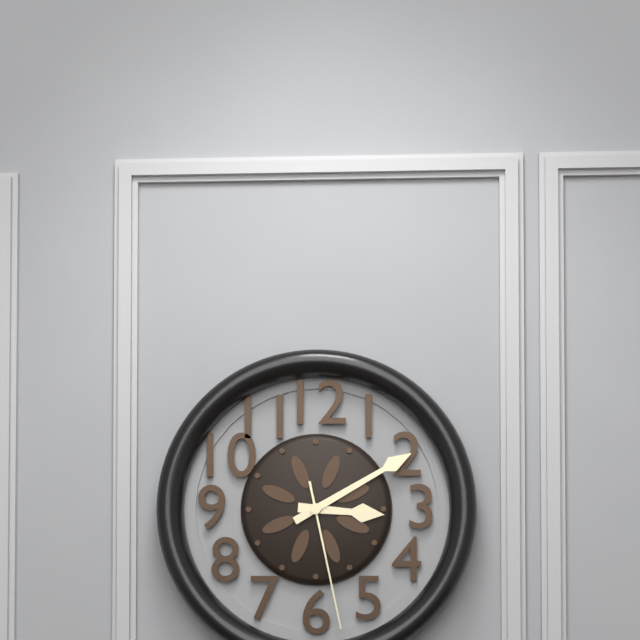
3h10m28s
